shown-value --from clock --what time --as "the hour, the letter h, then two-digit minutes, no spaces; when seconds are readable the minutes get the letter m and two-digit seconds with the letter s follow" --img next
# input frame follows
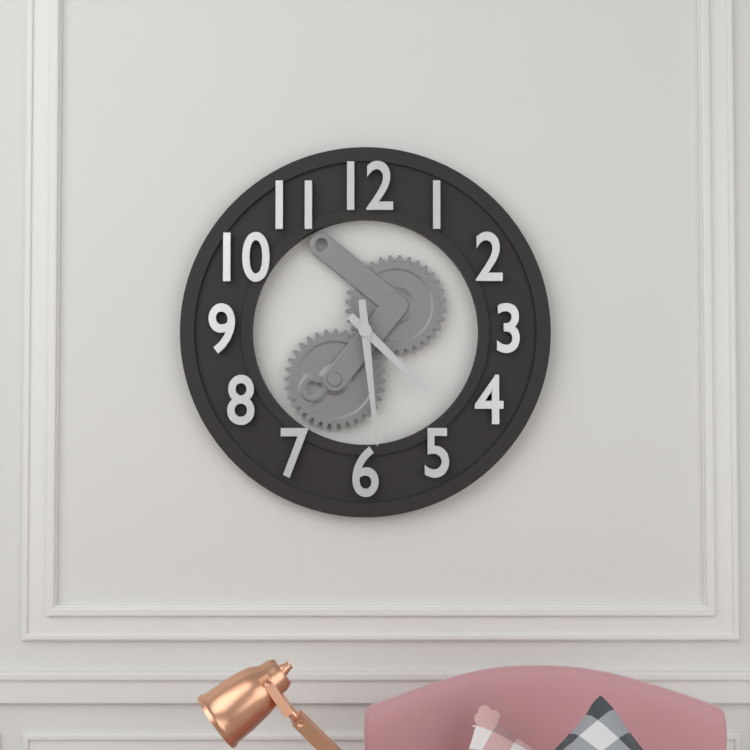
4h29
